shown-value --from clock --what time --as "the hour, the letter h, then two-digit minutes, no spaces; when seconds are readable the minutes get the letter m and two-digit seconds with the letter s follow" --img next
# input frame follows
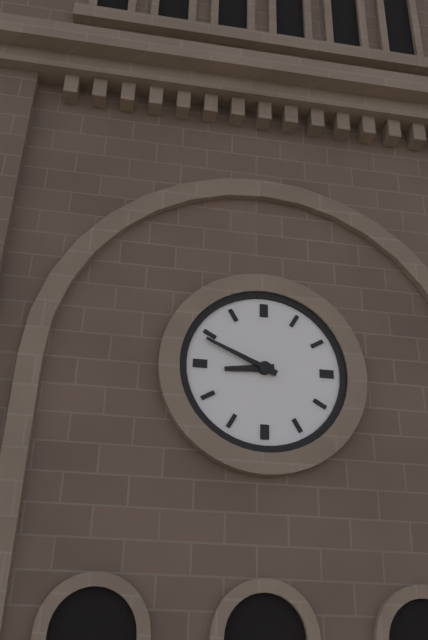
8h49
